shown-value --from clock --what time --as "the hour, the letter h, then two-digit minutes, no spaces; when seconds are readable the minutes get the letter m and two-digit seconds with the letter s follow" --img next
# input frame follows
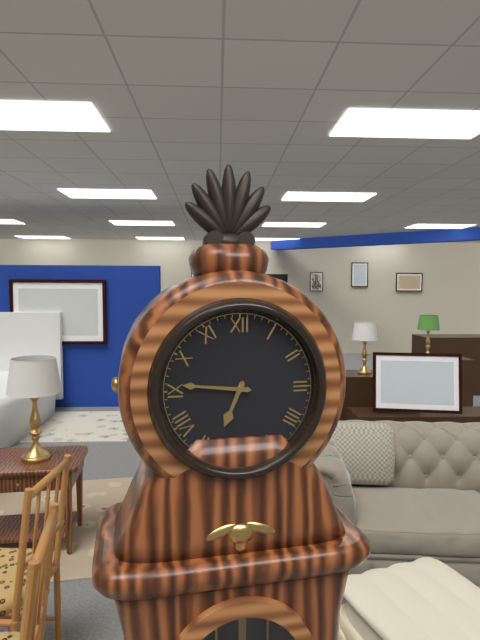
6h46
